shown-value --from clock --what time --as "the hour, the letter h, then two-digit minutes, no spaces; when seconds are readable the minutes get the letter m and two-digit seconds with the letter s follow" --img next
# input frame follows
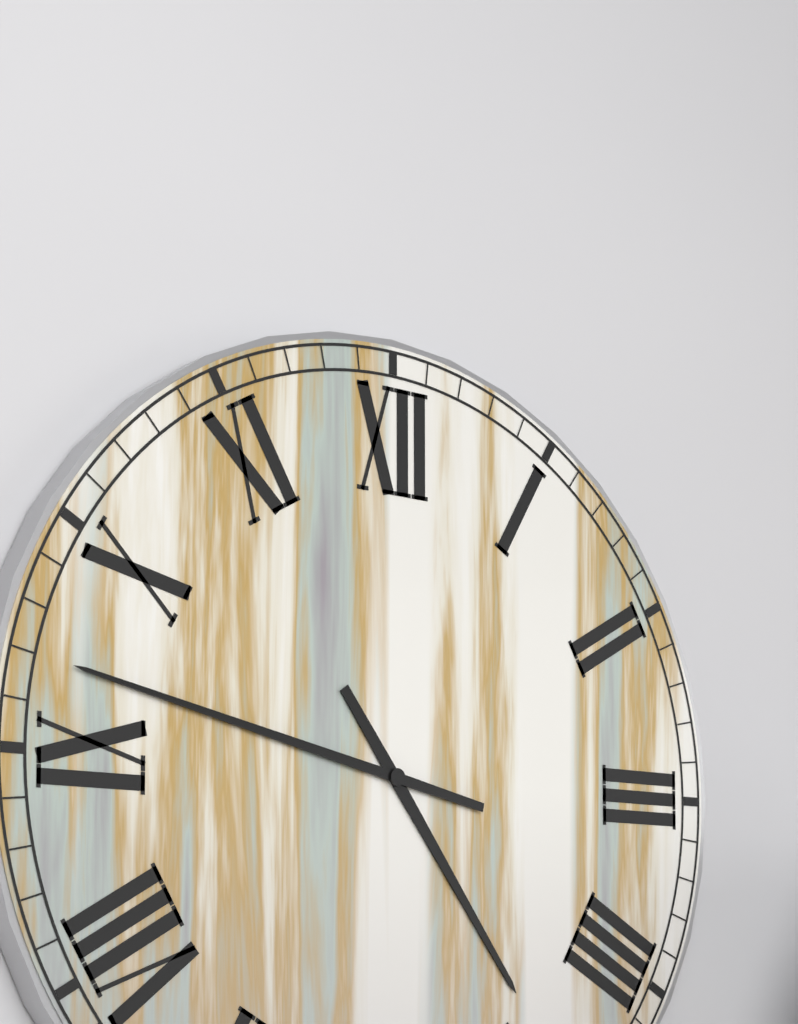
4h47
